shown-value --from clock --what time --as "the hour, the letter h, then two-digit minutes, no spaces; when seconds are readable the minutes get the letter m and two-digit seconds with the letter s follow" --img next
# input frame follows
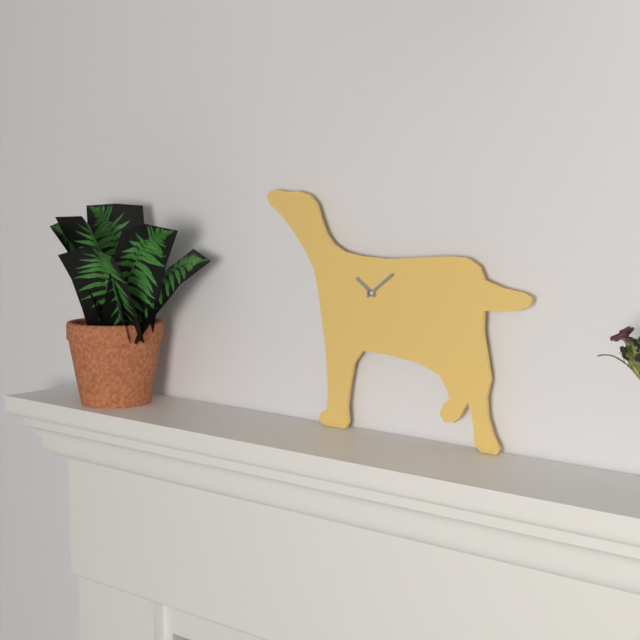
10h09
